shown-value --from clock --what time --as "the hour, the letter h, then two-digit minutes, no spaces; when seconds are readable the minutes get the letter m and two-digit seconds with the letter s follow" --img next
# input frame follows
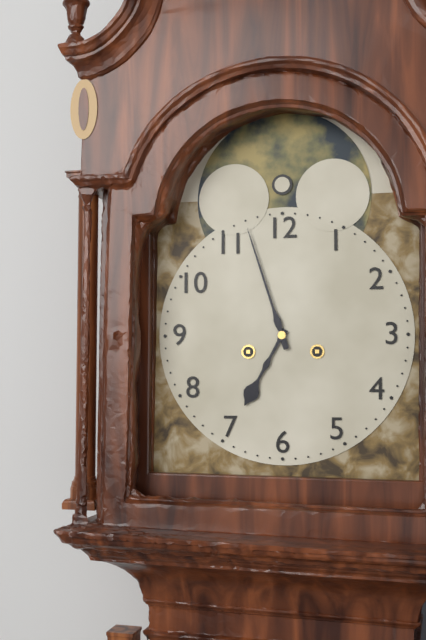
6h57
